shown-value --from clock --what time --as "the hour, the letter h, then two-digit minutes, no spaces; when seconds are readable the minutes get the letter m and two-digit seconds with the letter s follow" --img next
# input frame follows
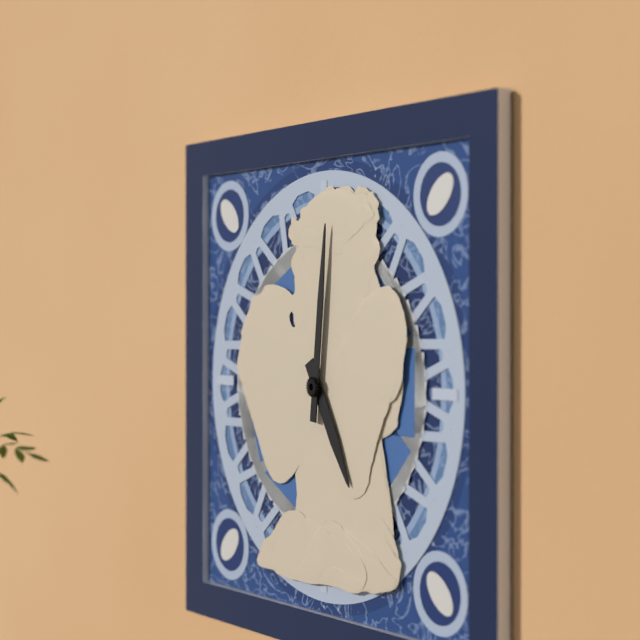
5h01
